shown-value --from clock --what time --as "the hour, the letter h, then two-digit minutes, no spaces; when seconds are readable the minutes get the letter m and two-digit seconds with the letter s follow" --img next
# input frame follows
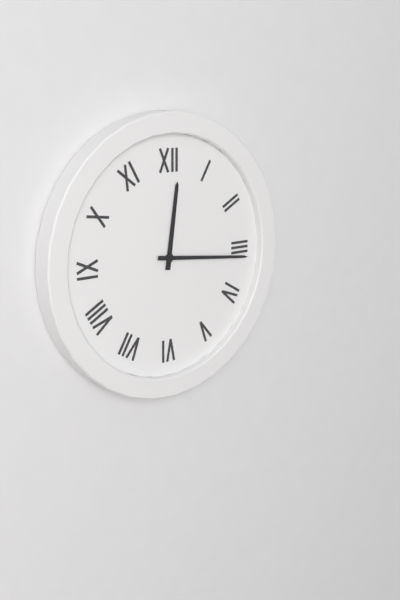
12h16
